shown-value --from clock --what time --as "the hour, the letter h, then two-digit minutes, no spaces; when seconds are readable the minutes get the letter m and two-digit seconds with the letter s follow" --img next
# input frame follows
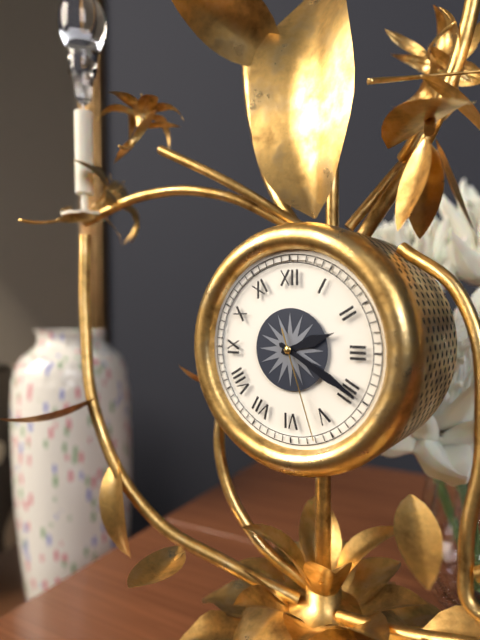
2h20m27s
